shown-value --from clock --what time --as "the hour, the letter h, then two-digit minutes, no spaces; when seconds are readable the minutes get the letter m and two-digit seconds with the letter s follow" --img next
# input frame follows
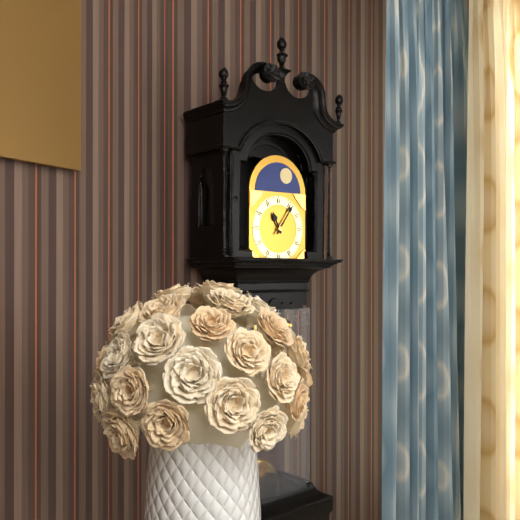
11h06
